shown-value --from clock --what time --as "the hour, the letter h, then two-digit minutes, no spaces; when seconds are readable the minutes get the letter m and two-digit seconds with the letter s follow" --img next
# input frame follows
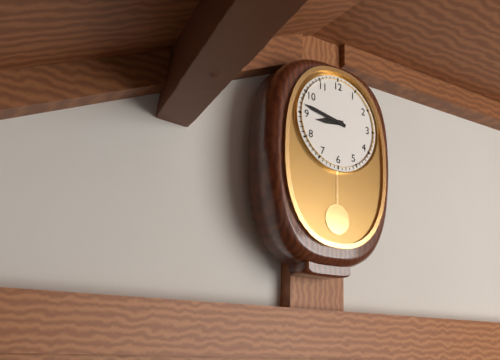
8h47
